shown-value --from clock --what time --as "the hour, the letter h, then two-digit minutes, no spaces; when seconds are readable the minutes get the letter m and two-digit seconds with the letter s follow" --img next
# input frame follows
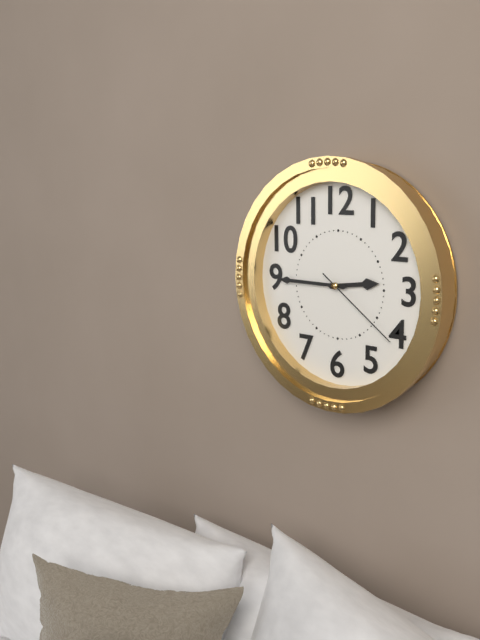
2h45m21s
